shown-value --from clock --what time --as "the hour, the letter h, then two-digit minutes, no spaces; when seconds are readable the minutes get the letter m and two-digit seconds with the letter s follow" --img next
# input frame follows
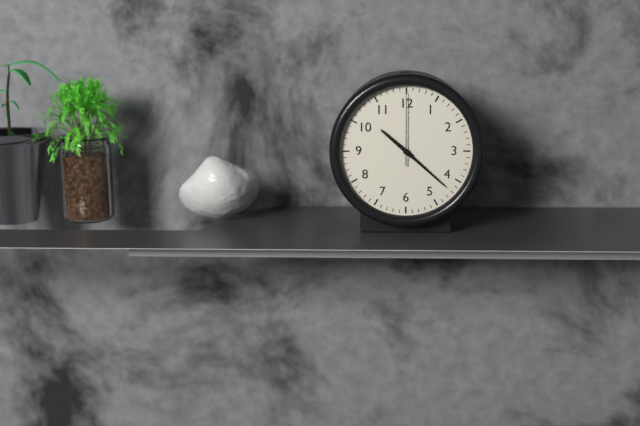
10h22m00s
